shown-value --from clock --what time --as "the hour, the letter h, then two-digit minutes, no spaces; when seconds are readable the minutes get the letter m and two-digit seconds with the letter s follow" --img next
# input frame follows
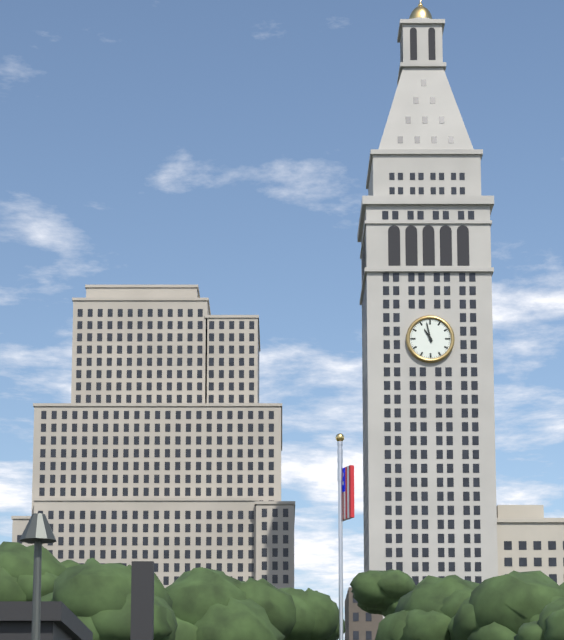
10h58
